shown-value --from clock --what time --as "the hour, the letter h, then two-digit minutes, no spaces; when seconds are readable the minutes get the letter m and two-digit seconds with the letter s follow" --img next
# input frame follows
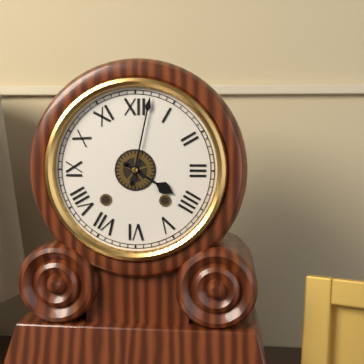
4h02
